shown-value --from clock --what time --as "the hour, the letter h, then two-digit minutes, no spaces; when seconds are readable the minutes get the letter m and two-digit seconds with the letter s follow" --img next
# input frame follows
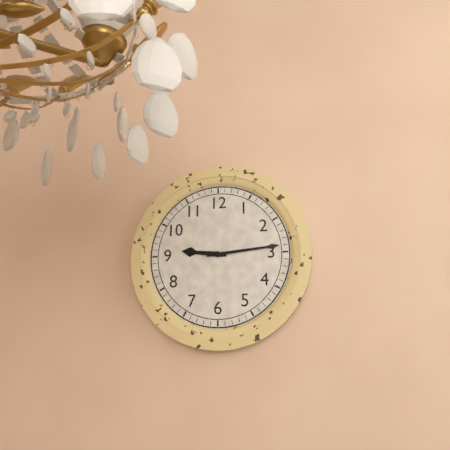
9h14
